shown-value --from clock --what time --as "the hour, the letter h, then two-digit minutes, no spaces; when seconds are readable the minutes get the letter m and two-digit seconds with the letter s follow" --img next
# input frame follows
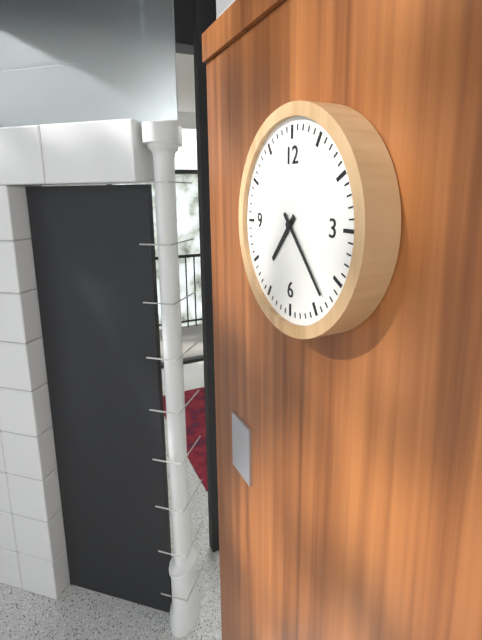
7h23
